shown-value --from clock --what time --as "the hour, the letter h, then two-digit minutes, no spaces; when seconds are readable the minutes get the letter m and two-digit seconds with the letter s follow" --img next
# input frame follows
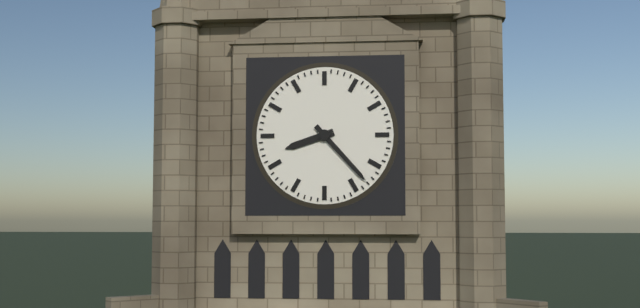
8h23
